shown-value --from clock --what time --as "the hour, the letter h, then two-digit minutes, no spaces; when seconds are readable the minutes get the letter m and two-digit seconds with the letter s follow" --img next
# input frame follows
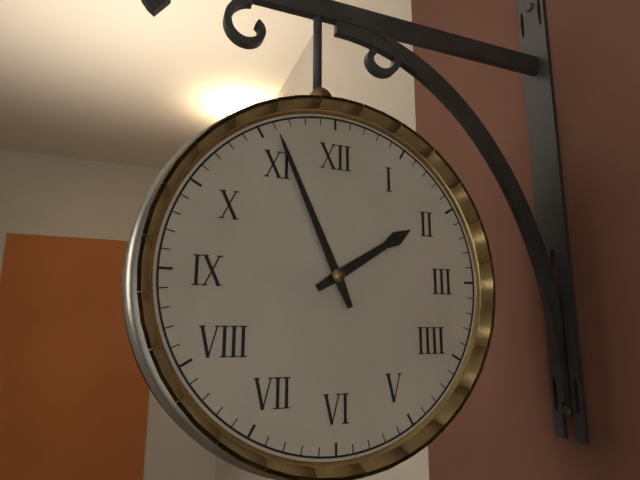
1h56
